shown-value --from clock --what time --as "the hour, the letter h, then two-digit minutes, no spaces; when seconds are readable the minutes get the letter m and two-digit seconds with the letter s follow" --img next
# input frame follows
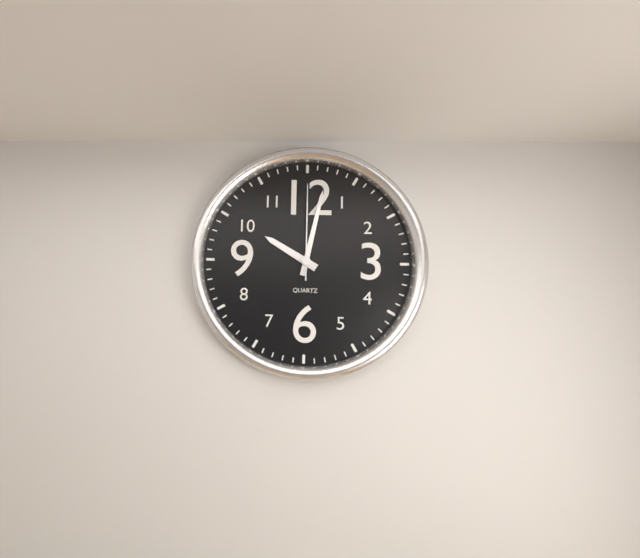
10h02m00s
